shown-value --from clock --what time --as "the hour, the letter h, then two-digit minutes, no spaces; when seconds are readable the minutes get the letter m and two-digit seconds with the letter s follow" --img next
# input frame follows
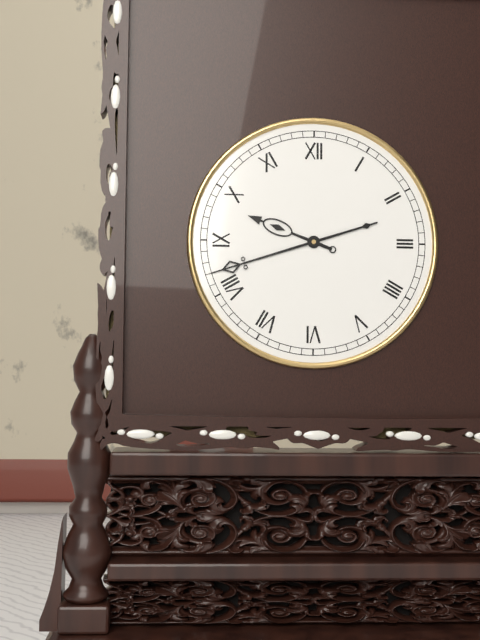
9h42
